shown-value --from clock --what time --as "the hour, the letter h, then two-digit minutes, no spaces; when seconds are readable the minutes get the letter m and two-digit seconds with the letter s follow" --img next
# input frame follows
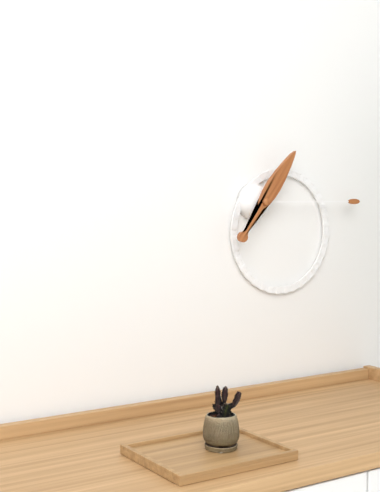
1h15
